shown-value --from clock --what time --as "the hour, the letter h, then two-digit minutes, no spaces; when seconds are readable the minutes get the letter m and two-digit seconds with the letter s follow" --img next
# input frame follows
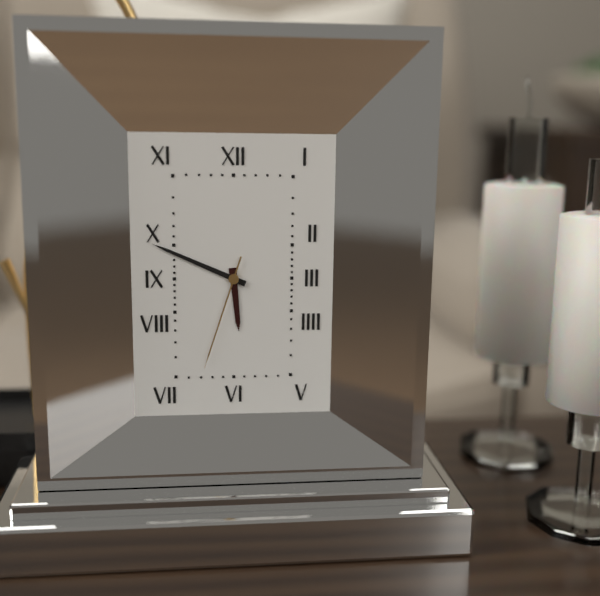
5h49m33s
